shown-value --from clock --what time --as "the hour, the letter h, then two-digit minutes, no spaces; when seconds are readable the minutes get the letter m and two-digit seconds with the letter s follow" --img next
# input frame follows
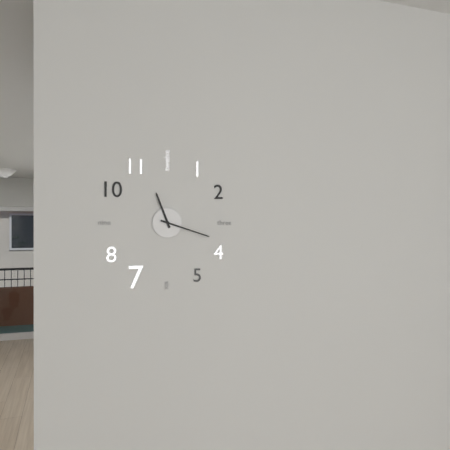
11h18
